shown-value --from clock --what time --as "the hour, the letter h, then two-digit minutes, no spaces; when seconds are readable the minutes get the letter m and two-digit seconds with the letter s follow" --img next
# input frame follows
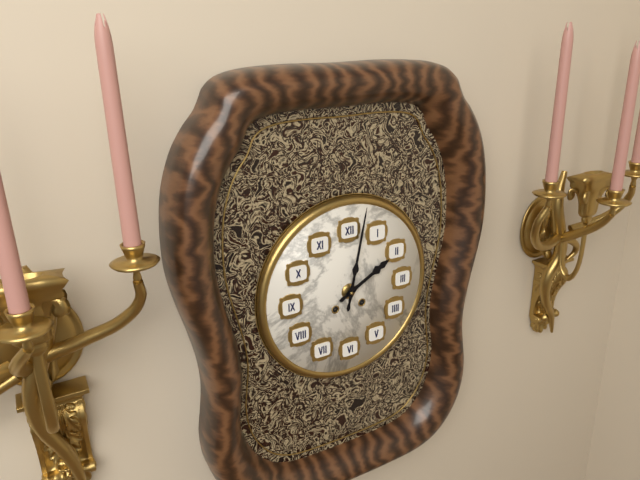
2h02
